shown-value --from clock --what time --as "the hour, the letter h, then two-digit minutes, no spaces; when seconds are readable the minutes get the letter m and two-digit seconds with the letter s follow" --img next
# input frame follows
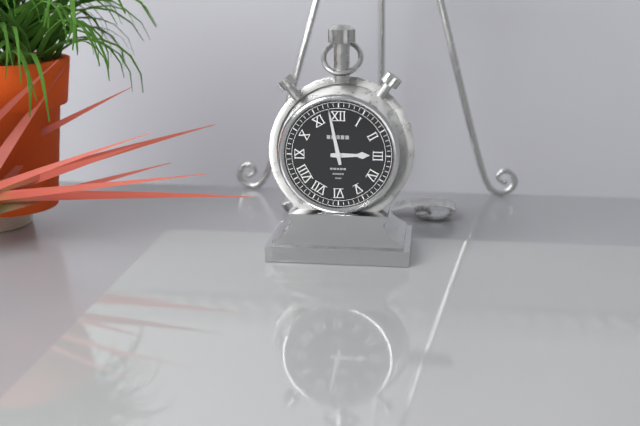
2h58
